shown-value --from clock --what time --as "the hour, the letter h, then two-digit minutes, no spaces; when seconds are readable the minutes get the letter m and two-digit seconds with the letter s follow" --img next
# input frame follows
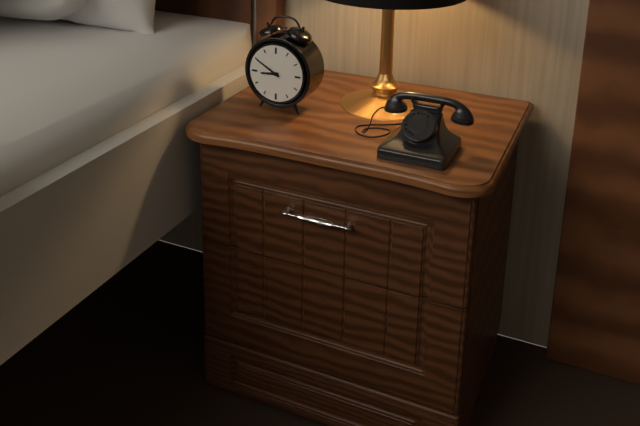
8h50
